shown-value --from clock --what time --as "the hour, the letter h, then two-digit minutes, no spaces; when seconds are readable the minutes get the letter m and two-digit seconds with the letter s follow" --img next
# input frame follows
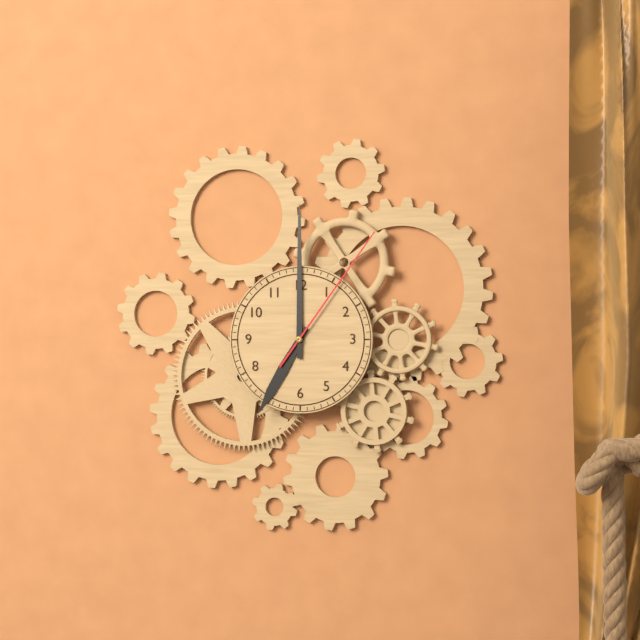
7h00m06s
